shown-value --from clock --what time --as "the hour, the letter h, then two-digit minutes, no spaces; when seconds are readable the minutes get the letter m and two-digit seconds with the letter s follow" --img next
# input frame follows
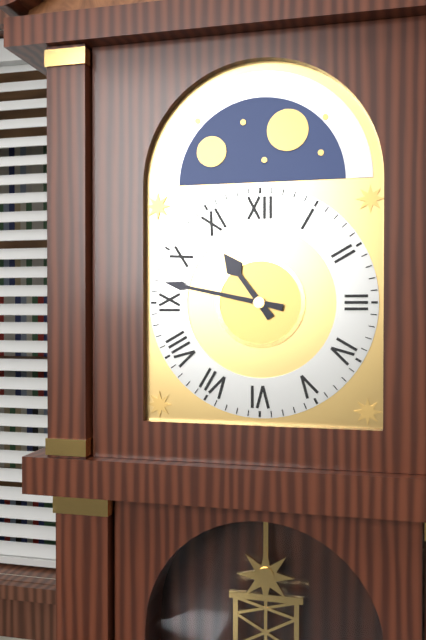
10h47
